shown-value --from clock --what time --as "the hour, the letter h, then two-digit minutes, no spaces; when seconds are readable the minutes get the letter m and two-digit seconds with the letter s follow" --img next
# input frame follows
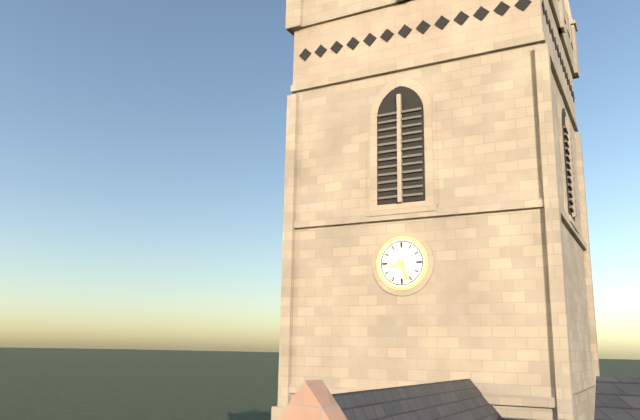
8h26
